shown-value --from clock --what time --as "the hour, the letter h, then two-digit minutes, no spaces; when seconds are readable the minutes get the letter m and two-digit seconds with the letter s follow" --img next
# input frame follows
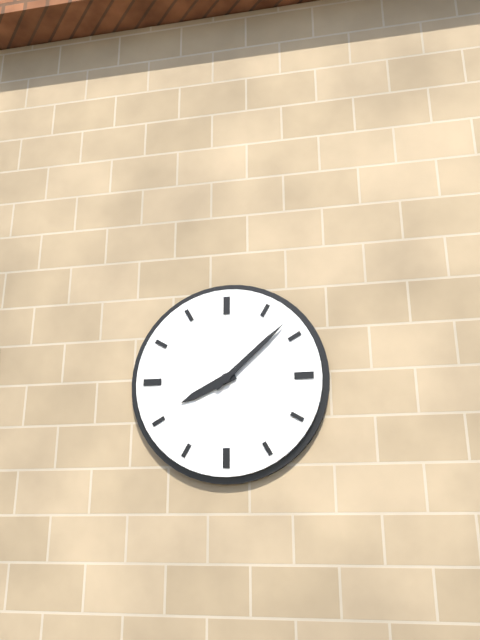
8h08
